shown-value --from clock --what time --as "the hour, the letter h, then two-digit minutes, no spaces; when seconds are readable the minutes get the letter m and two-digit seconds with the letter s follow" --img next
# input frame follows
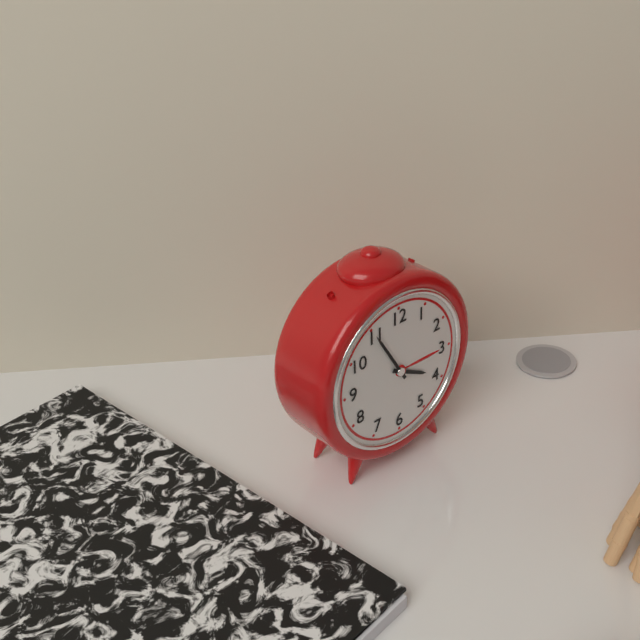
3h55
